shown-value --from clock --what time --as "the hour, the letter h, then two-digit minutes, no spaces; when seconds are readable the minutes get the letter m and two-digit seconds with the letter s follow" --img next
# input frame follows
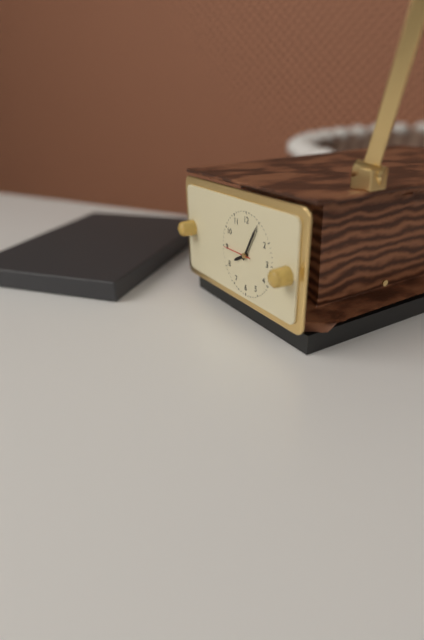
8h05
